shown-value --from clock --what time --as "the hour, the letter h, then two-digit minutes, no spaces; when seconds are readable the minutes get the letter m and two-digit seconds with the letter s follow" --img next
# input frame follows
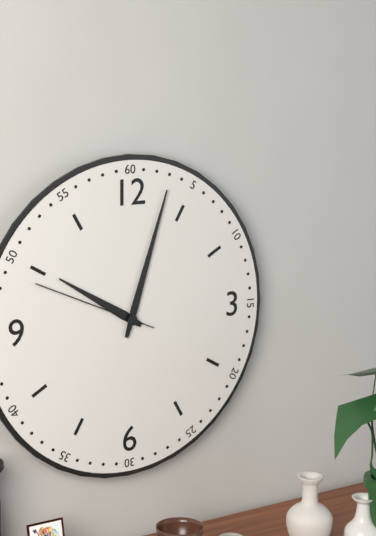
10h03m49s
